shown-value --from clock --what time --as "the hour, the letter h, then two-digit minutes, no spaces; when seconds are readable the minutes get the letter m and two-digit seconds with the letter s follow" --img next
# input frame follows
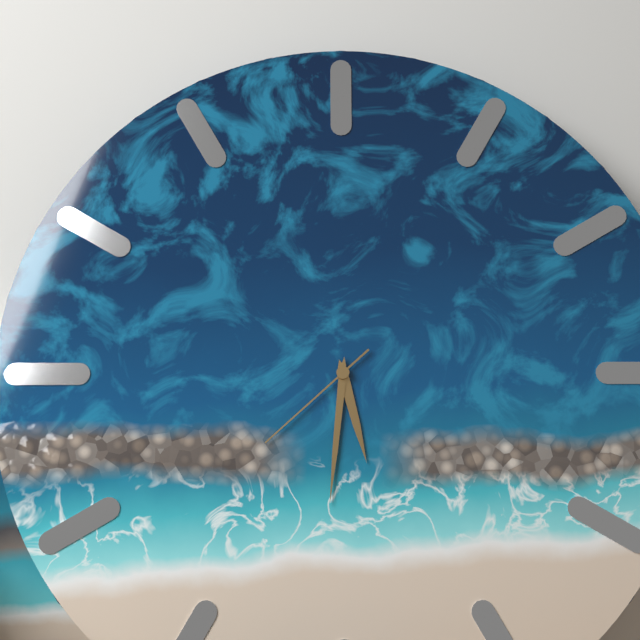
5h31m38s
